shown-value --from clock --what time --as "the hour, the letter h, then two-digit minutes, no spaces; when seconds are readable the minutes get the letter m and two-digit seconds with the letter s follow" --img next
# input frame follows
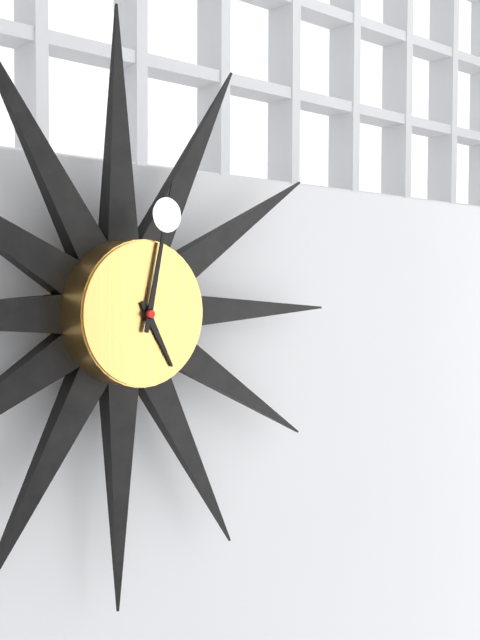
5h02
